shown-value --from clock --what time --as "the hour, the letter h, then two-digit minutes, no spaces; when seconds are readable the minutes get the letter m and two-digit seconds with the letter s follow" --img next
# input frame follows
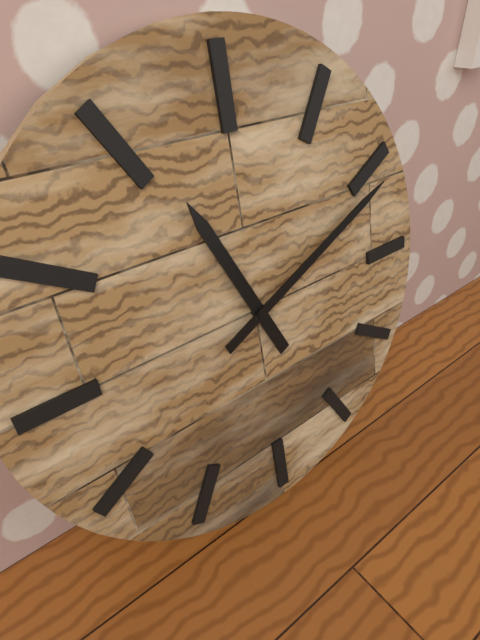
11h11
